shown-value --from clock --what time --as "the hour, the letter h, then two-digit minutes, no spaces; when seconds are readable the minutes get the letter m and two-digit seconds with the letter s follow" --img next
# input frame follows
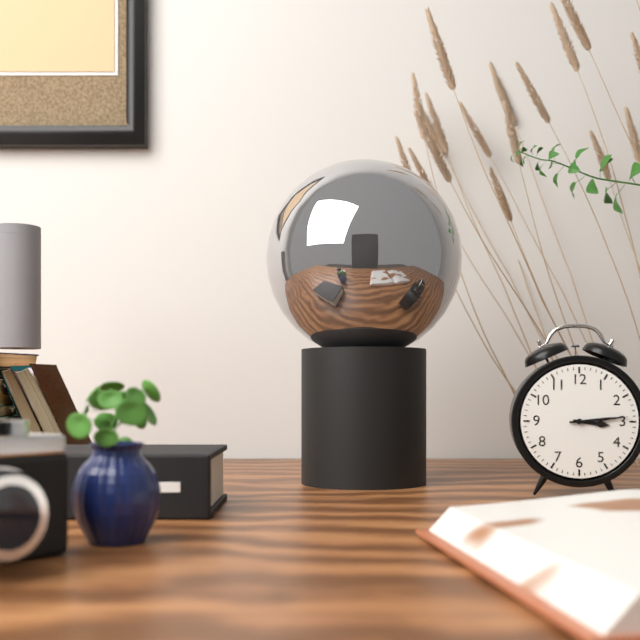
3h14
